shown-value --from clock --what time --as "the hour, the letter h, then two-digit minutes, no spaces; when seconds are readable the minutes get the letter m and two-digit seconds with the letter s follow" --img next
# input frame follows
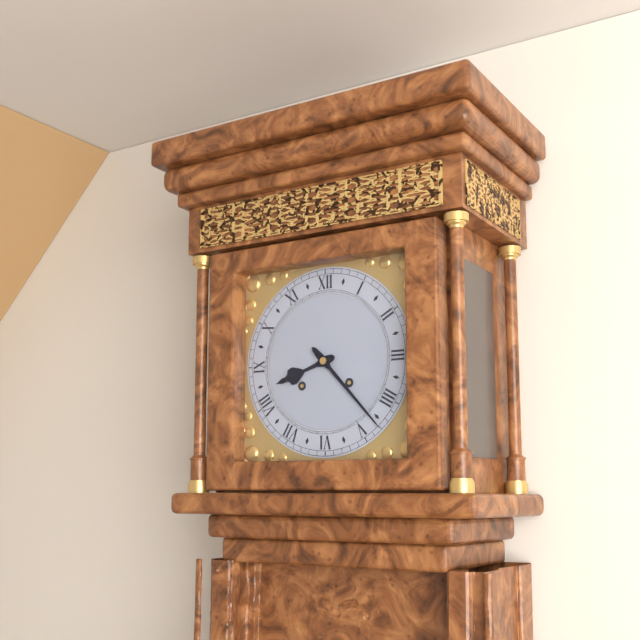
8h23
